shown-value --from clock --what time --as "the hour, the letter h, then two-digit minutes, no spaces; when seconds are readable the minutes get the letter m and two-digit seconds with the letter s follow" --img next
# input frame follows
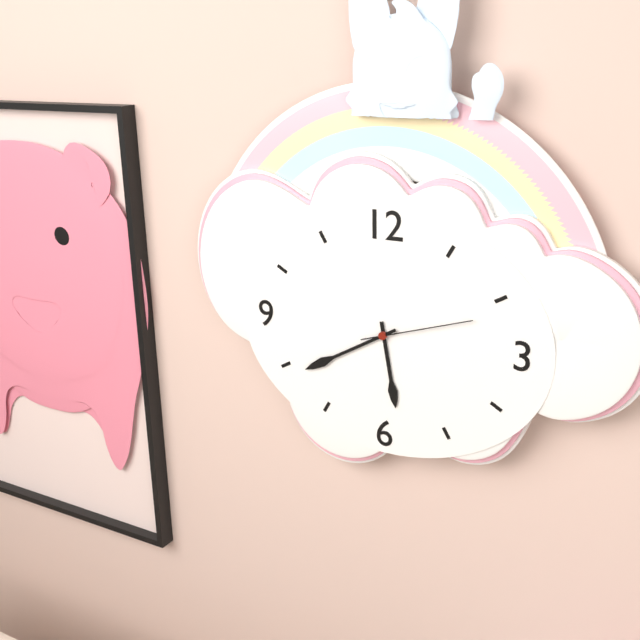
5h40m12s
